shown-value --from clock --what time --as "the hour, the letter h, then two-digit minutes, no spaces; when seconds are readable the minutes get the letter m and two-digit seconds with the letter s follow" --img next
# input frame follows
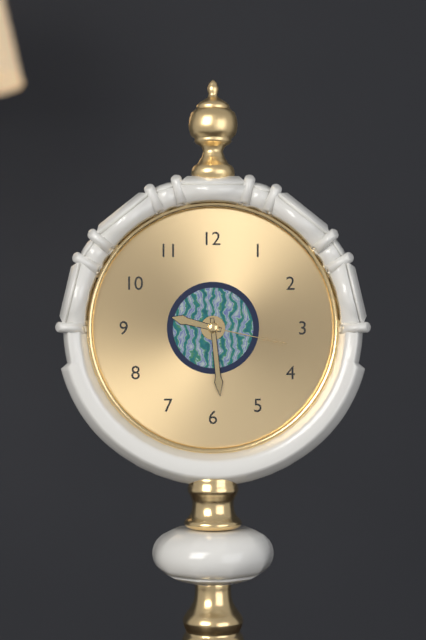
9h29m17s
